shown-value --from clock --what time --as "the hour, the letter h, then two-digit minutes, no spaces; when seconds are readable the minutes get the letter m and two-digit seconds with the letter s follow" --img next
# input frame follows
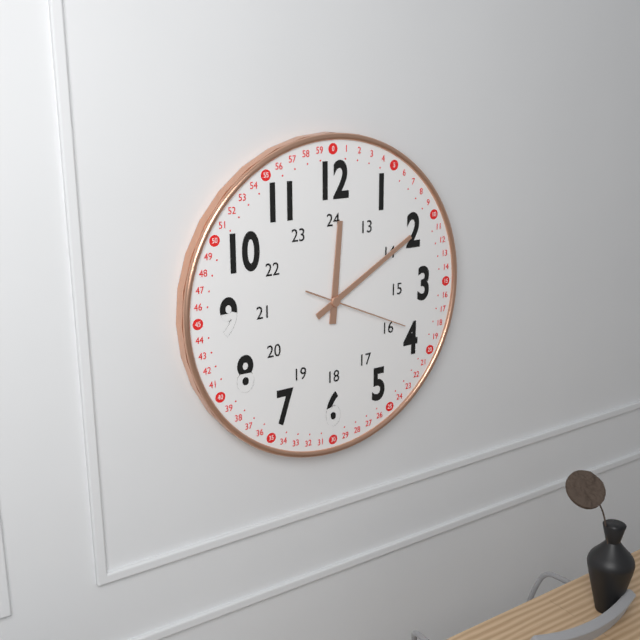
12h10m19s
